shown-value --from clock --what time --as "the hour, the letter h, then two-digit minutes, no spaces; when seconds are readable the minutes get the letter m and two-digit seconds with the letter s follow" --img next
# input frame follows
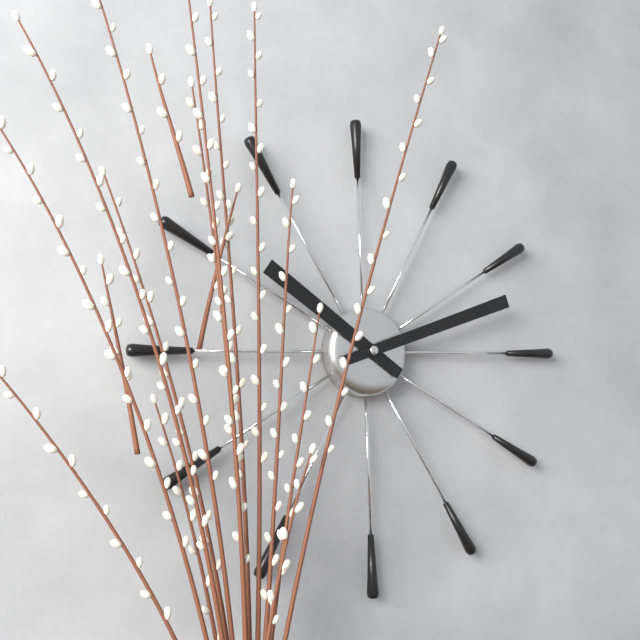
10h12
